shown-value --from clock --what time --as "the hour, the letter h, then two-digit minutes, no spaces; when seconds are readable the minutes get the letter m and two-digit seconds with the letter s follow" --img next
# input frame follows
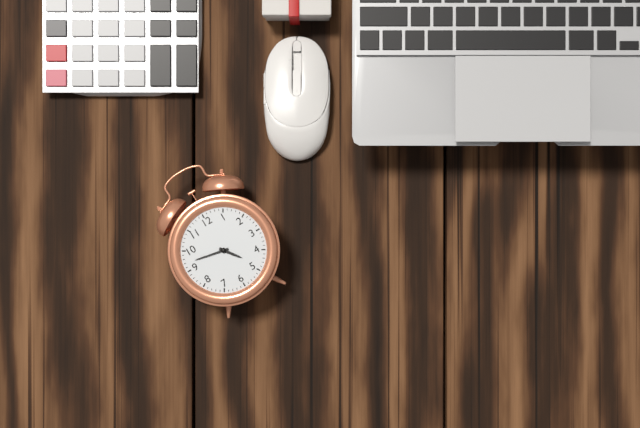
4h47
